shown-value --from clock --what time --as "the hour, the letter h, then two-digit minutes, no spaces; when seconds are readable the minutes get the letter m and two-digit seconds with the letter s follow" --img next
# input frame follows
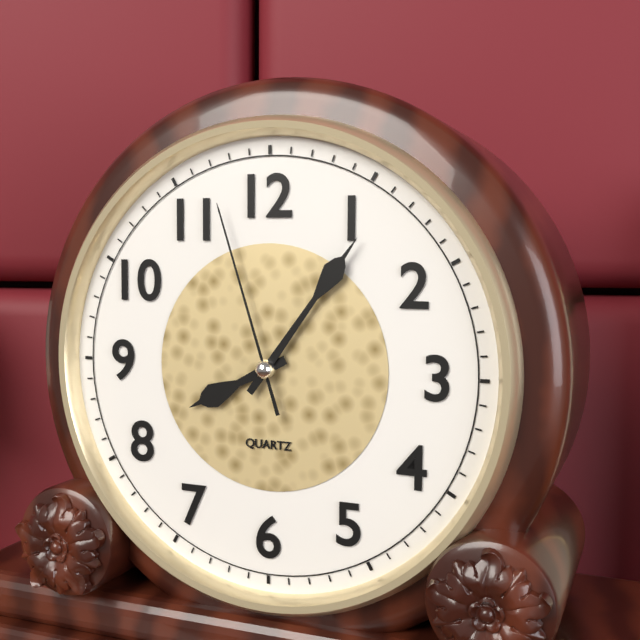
8h06m57s
